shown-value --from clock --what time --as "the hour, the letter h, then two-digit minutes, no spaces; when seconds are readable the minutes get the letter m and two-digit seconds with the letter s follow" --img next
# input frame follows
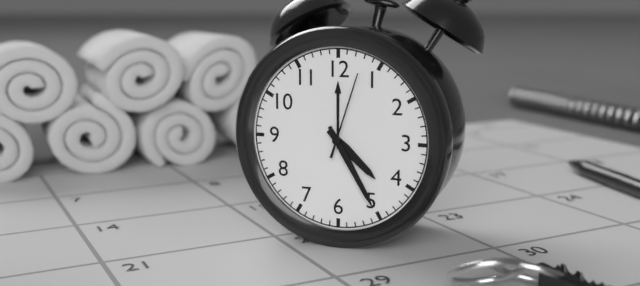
4h25m03s
